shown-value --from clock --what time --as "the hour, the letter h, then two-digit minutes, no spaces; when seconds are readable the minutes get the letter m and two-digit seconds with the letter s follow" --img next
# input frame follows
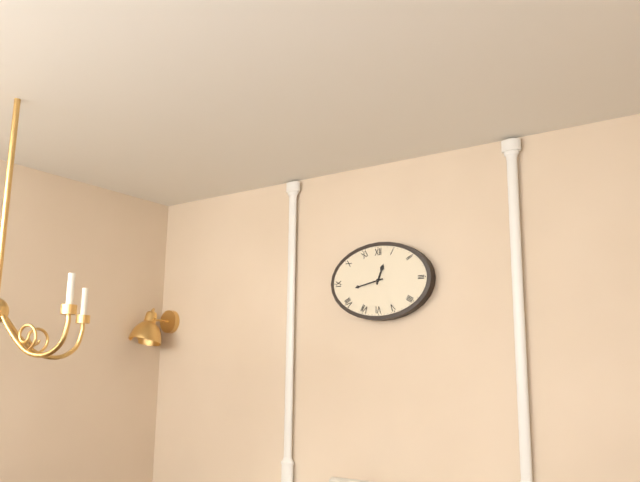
12h43
